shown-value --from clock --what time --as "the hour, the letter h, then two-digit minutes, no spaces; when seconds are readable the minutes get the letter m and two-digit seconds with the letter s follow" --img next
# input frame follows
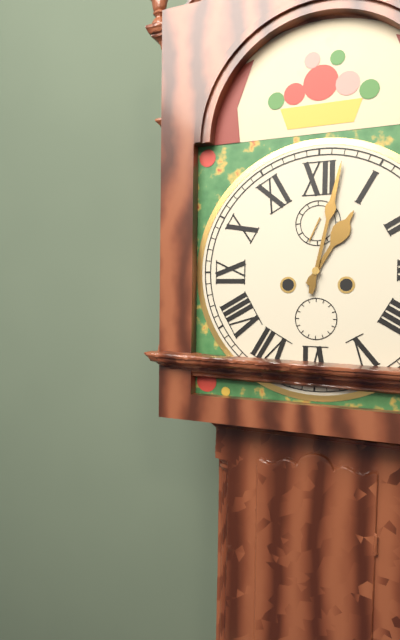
1h02
